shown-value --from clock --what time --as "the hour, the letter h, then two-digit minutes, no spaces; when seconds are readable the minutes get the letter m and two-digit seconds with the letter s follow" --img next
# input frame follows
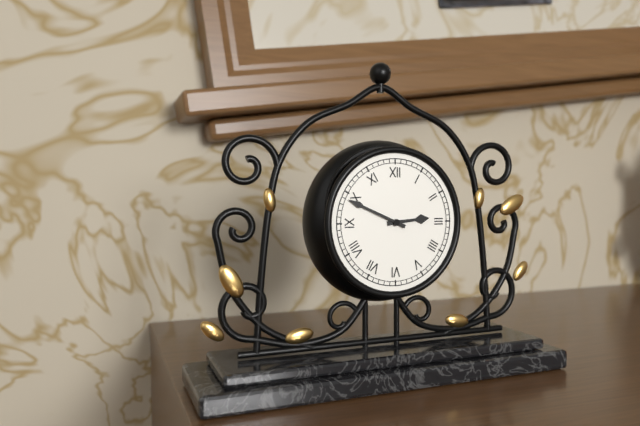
2h49
